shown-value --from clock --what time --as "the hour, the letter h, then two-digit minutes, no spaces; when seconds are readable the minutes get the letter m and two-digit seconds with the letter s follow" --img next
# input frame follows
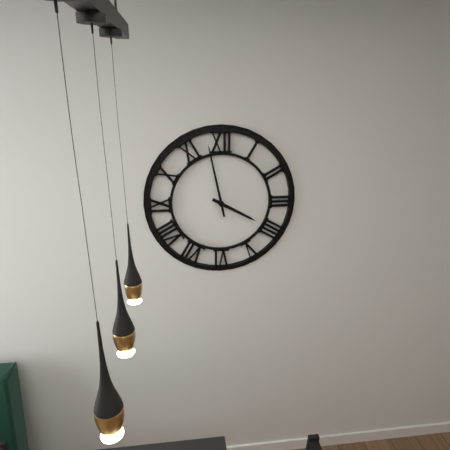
3h58
